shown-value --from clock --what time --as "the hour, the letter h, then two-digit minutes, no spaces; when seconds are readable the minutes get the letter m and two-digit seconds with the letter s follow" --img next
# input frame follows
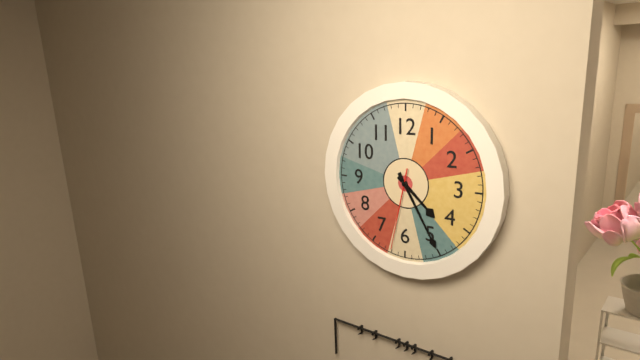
4h25m32s
